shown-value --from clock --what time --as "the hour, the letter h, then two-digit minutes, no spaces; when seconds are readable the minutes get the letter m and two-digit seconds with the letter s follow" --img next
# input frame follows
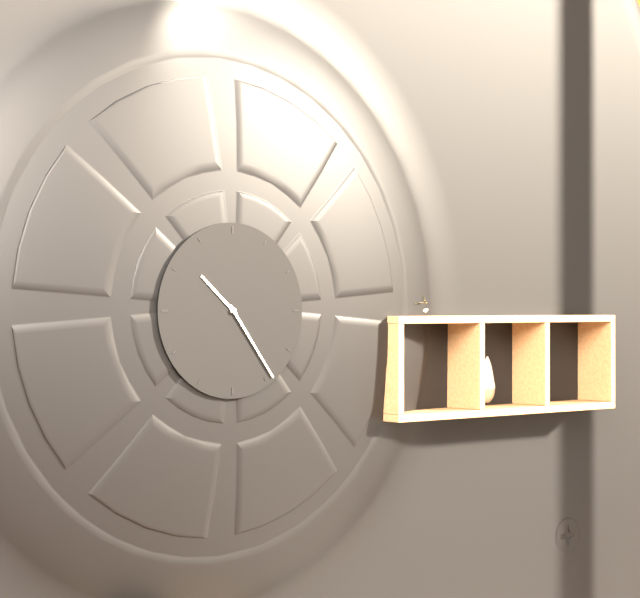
10h24
